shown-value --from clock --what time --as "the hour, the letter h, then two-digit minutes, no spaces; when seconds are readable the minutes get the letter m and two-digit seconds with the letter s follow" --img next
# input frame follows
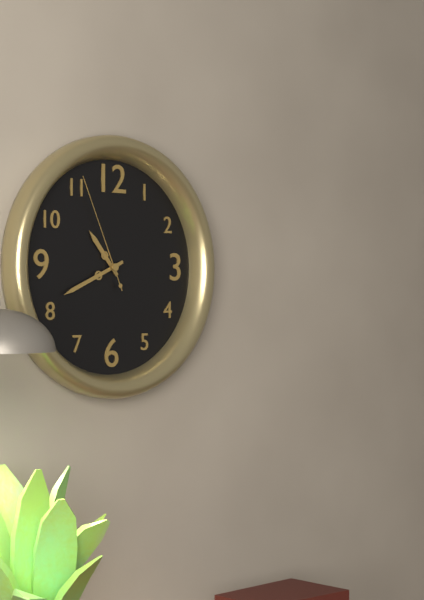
10h41m56s
